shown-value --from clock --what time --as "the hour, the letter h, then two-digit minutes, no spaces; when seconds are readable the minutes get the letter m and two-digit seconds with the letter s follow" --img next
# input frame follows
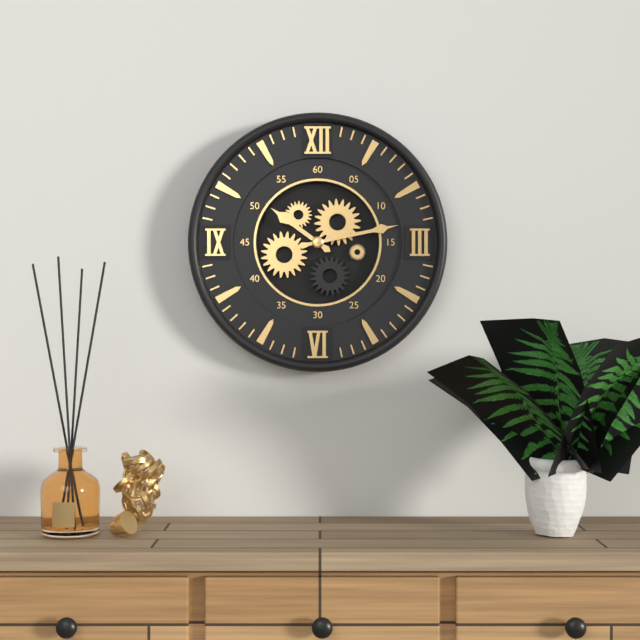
10h13
